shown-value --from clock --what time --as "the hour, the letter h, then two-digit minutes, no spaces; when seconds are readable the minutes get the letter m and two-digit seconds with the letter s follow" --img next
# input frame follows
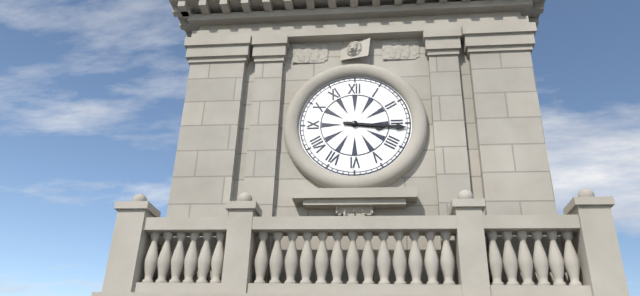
3h16
